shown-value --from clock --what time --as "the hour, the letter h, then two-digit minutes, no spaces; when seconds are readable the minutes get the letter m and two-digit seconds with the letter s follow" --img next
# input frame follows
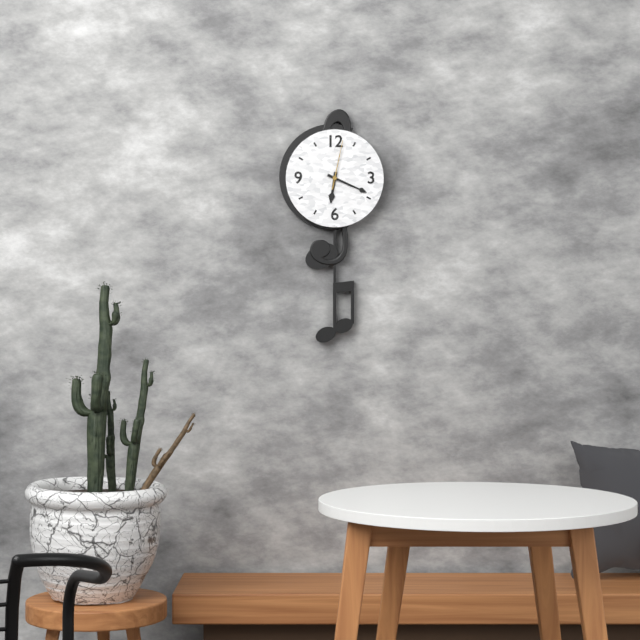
6h19
